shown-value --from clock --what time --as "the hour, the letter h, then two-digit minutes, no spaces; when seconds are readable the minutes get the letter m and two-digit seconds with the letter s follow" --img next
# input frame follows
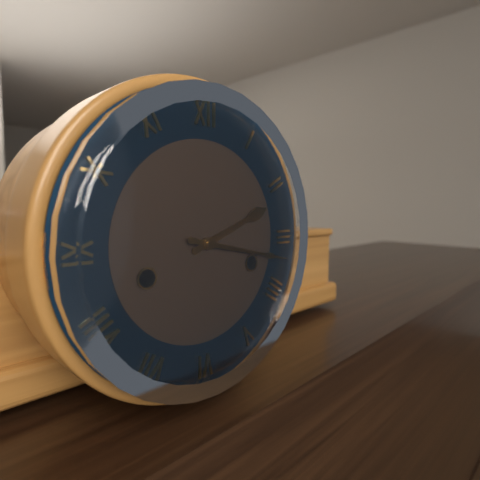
2h17
